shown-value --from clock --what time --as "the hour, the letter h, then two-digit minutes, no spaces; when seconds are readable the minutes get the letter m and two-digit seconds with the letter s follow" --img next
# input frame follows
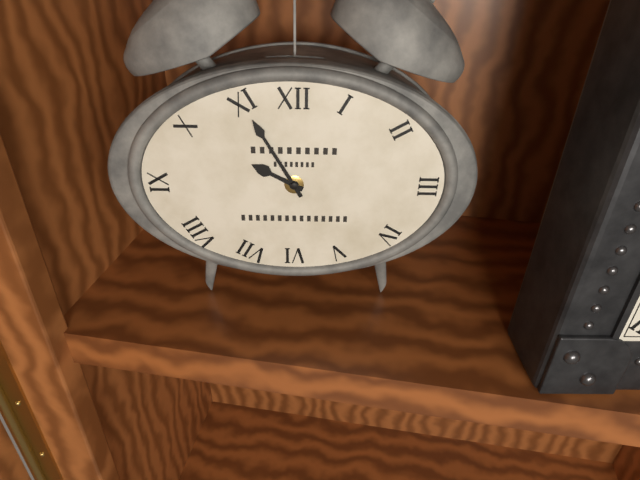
9h55
